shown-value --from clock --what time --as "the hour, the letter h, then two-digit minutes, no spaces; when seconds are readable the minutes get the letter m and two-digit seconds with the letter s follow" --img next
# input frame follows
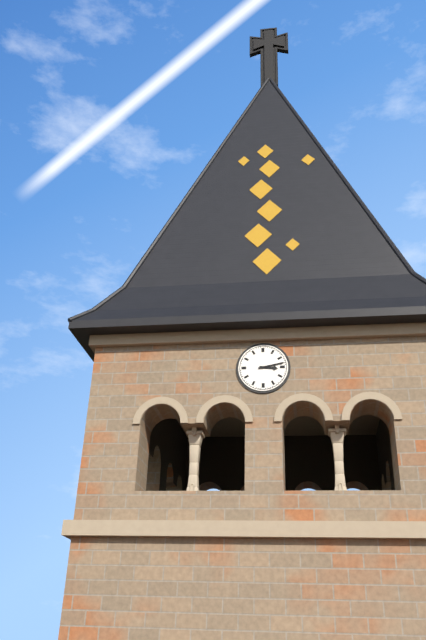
3h13
